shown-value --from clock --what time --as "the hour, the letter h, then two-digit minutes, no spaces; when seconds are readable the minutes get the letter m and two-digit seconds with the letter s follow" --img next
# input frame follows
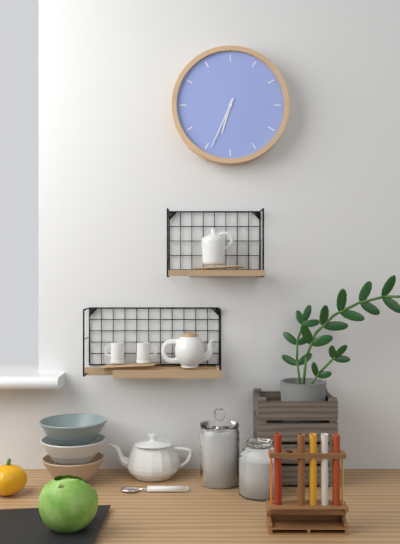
6h34
